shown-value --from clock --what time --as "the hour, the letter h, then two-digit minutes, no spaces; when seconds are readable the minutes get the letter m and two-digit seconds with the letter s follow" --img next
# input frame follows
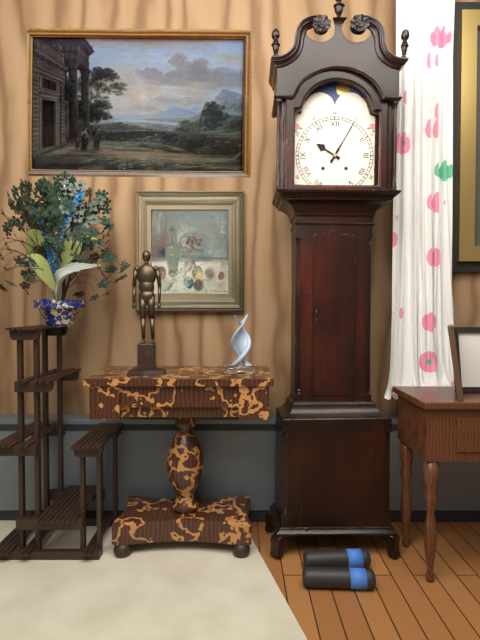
10h05
